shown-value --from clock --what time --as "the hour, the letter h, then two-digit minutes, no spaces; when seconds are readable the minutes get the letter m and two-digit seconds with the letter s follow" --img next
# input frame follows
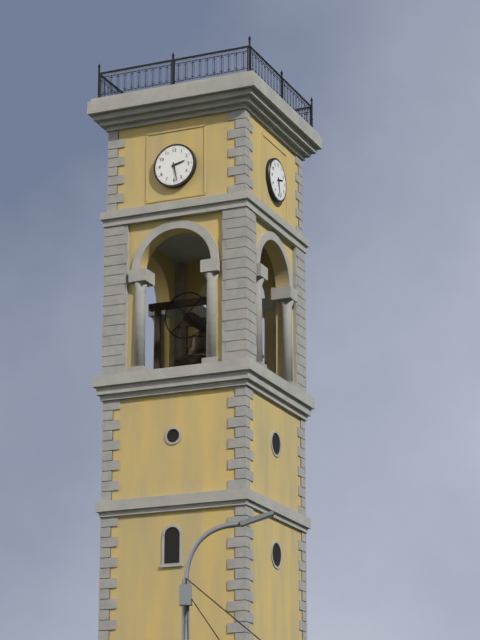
2h28
